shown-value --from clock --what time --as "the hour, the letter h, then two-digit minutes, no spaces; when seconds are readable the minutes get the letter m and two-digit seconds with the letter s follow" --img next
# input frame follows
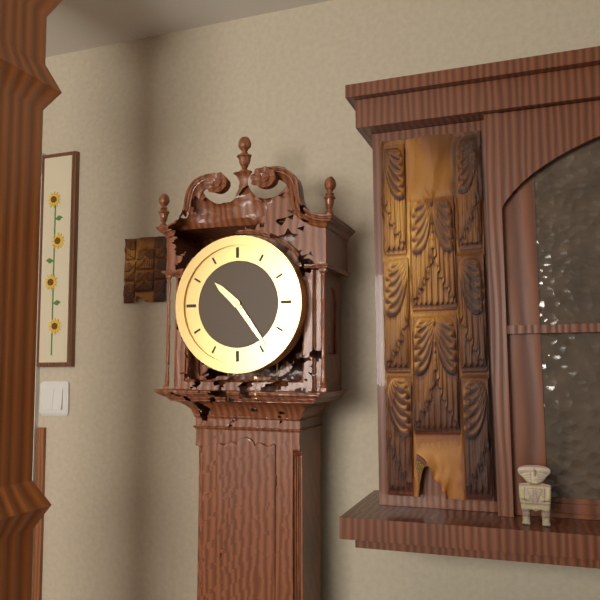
10h24
